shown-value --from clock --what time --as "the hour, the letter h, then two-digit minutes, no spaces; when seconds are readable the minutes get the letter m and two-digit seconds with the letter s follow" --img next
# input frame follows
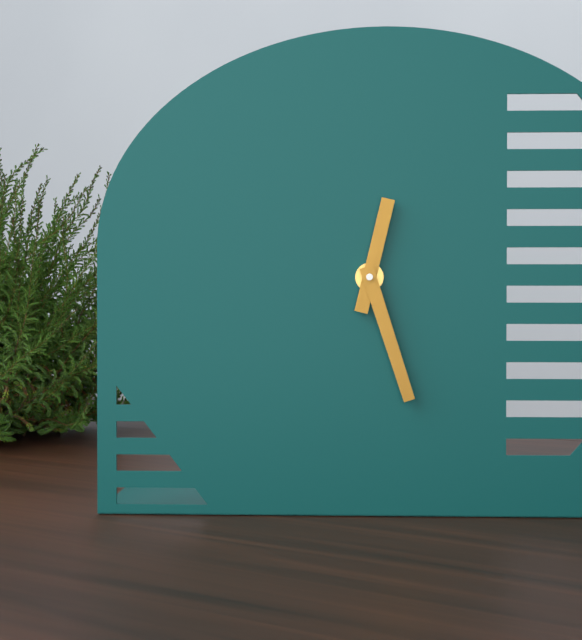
12h27
